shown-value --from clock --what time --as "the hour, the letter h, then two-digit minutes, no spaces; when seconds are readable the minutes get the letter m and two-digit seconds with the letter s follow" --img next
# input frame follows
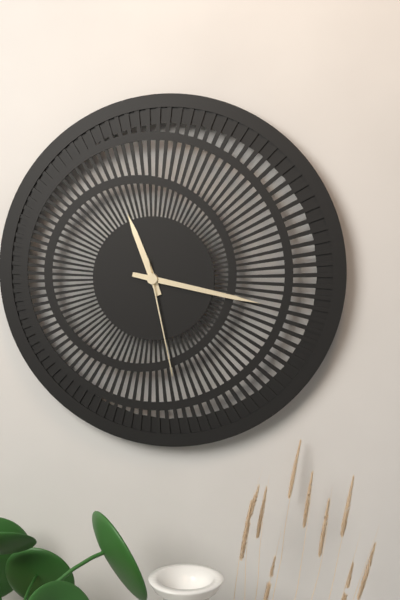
11h17m28s
